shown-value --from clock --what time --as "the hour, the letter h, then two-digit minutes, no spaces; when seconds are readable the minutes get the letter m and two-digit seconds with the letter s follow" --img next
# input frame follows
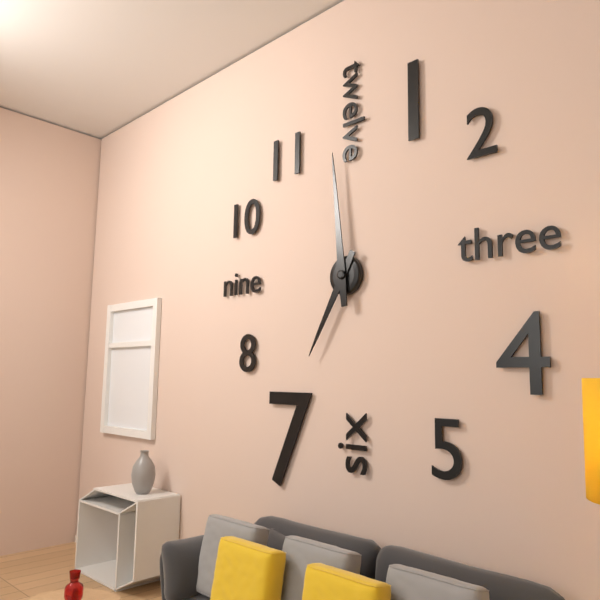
6h59
